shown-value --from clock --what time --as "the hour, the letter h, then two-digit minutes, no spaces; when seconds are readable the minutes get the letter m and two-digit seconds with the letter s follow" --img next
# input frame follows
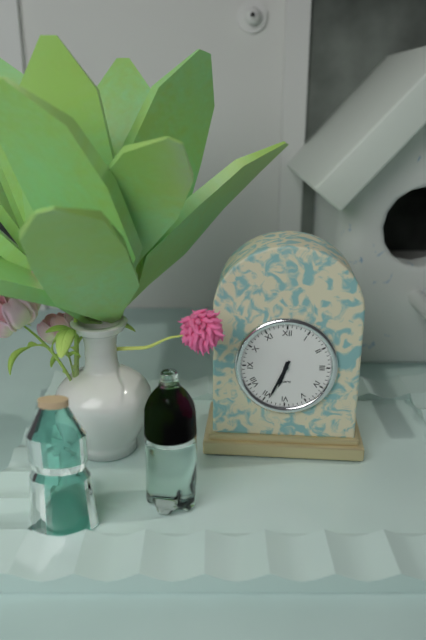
6h34
